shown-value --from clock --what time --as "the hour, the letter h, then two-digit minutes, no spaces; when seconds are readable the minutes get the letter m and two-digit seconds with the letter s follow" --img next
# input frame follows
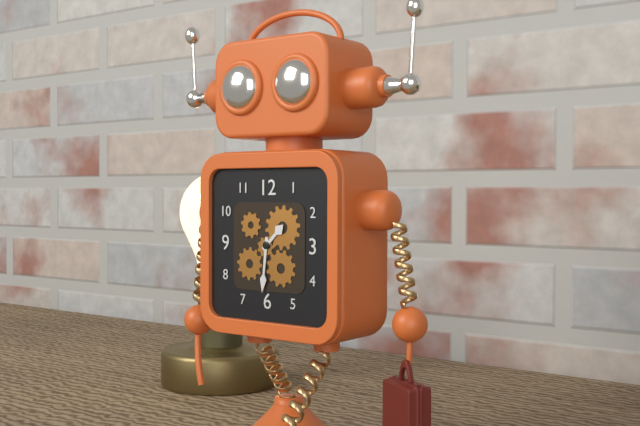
1h31
